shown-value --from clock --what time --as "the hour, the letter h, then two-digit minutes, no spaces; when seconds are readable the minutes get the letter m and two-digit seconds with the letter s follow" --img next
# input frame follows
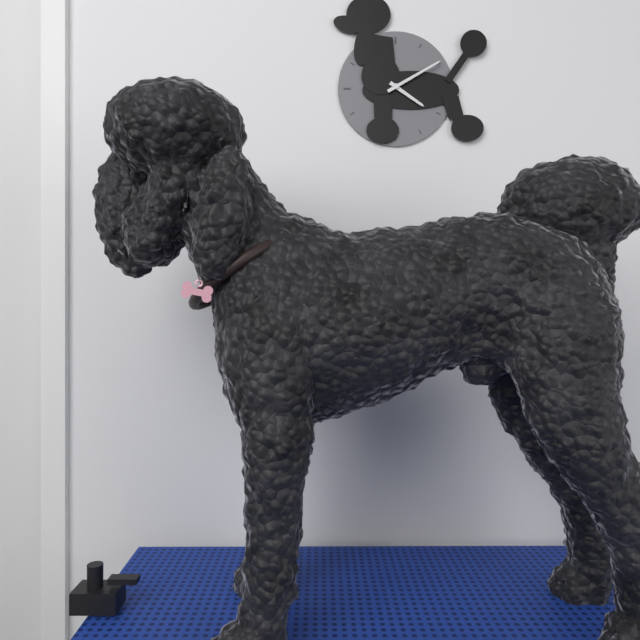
4h10
